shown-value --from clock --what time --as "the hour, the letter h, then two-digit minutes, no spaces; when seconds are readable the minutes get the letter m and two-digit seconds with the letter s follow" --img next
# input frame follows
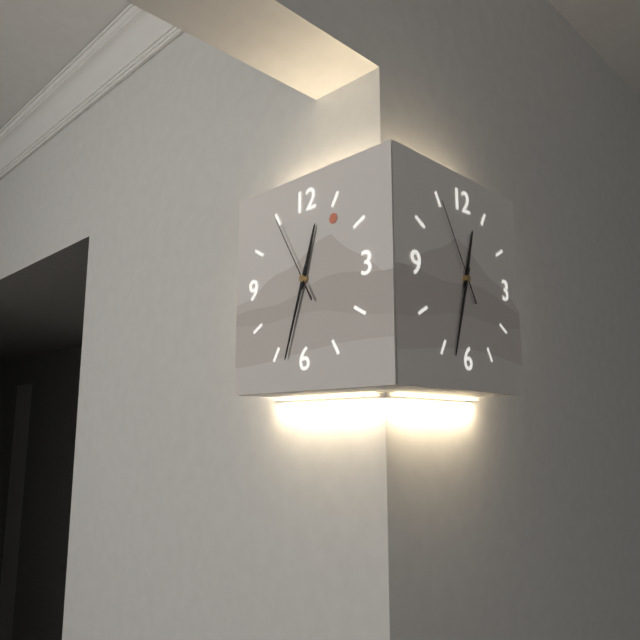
12h33m55s
